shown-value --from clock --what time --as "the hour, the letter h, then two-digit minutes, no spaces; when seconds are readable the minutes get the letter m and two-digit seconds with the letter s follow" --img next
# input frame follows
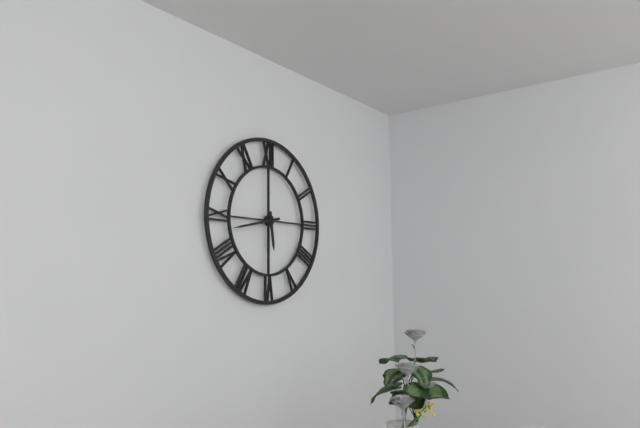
5h43
